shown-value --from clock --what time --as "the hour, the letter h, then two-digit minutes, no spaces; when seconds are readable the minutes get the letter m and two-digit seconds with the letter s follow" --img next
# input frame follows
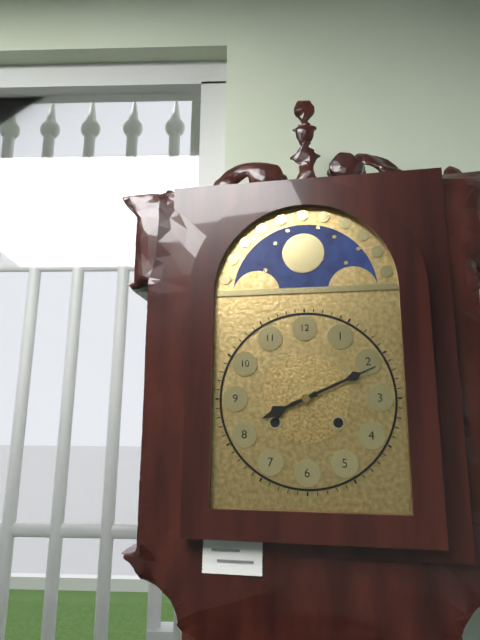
8h11
